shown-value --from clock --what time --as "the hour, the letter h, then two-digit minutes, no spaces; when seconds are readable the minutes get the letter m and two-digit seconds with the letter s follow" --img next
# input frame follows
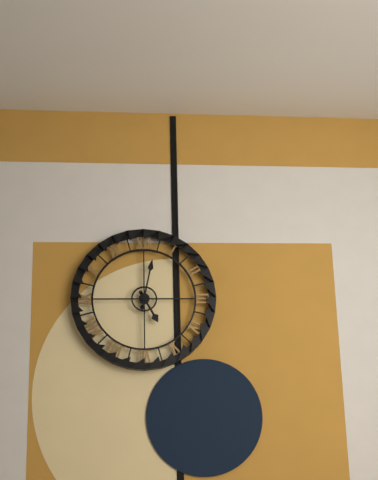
5h02
